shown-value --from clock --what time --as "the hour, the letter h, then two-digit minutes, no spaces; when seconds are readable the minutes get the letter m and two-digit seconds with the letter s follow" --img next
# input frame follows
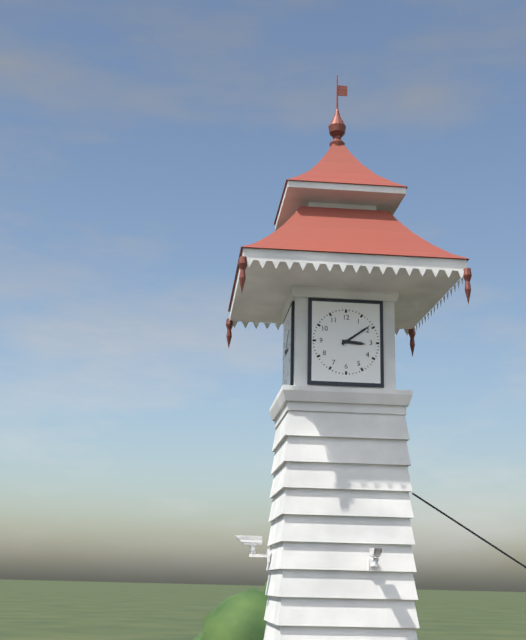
3h09
